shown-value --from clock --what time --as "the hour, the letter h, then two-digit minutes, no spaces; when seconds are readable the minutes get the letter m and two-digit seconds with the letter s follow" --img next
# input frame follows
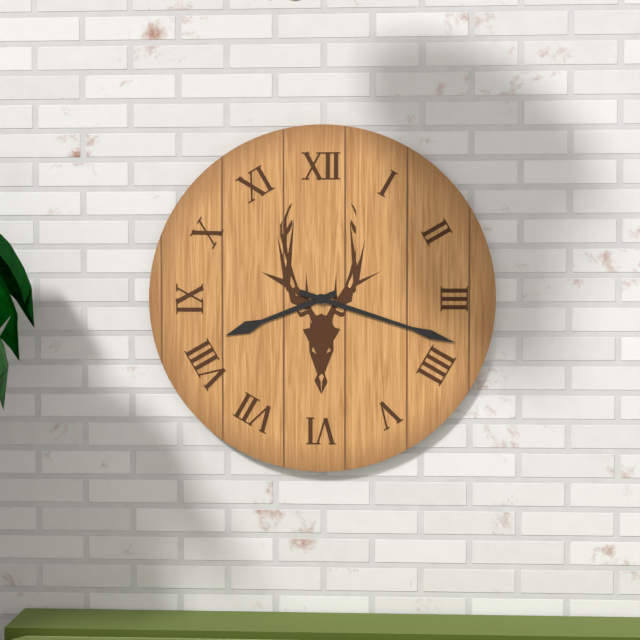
8h18
